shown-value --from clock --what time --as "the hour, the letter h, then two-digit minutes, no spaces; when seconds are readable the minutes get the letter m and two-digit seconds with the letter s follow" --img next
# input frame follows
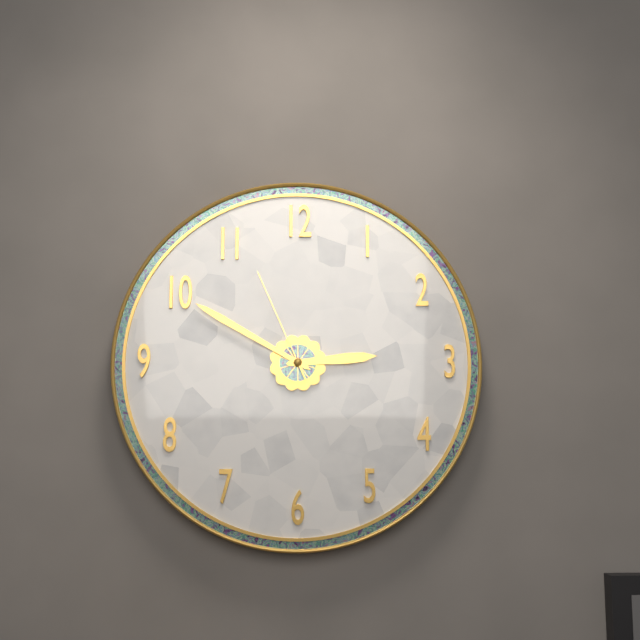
2h50m56s
